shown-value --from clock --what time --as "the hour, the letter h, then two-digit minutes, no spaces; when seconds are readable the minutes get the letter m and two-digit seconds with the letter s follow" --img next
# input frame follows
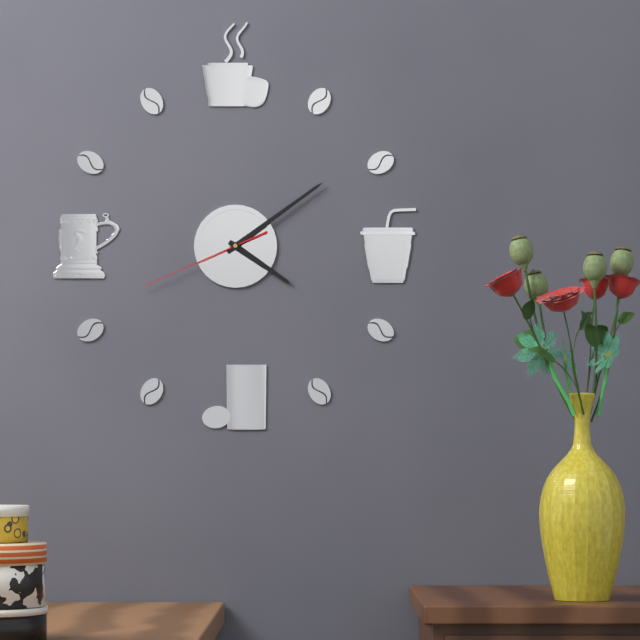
4h09m41s
